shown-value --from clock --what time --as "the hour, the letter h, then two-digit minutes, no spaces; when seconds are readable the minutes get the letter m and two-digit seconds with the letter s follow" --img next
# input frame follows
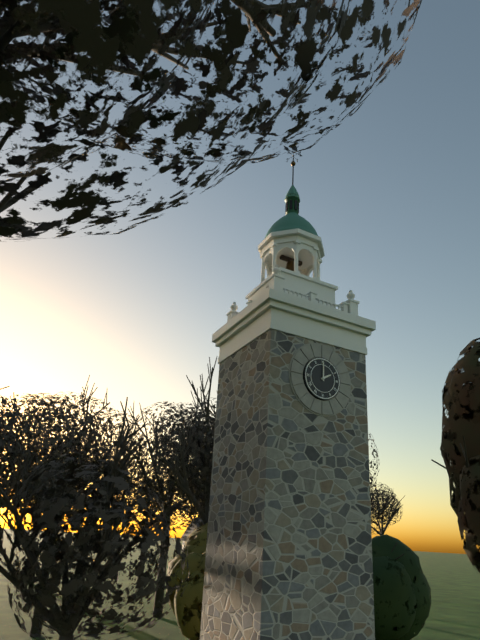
2h00
